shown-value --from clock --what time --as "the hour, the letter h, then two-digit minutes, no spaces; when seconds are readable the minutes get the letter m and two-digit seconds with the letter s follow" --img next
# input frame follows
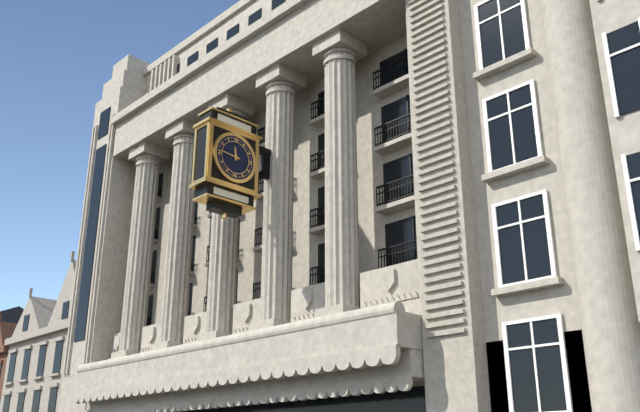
11h46
